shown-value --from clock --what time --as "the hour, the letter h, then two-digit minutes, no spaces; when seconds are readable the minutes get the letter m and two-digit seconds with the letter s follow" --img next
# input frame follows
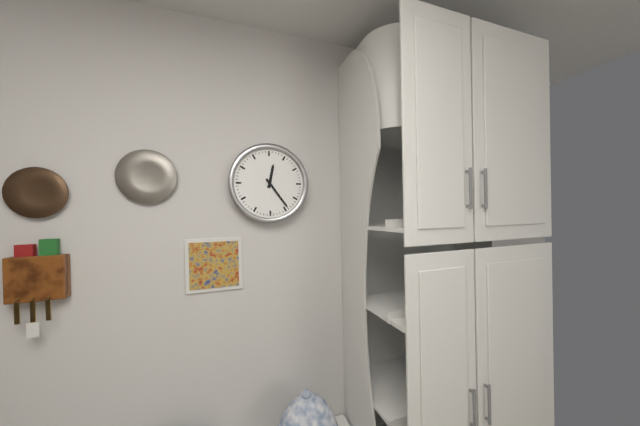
12h24
